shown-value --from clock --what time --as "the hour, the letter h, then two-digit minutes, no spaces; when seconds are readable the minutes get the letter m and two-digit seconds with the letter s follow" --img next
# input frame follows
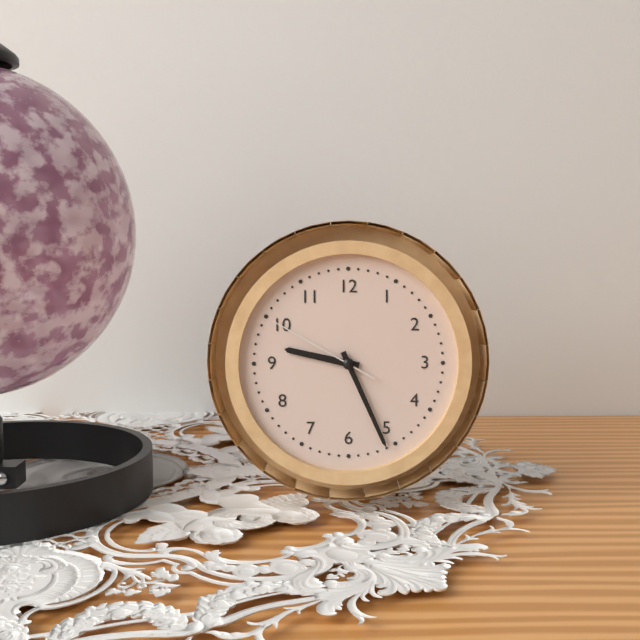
9h26m50s
